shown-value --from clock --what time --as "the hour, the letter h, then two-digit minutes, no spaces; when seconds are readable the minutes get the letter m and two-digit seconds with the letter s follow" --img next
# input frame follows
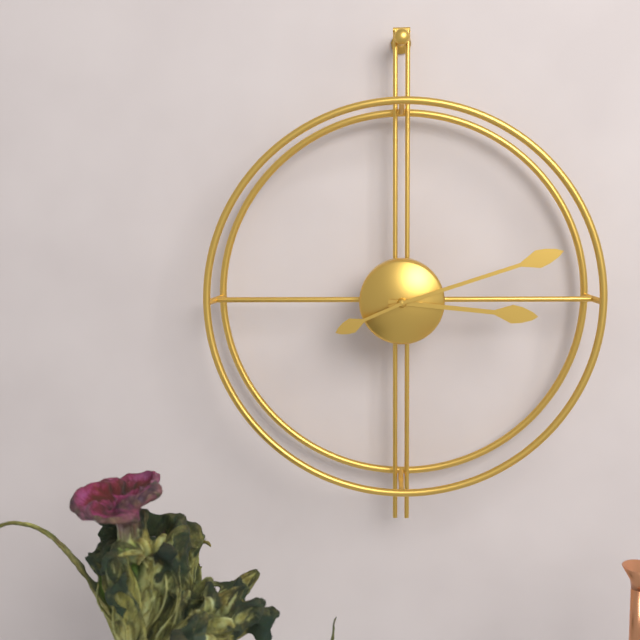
3h12m41s
